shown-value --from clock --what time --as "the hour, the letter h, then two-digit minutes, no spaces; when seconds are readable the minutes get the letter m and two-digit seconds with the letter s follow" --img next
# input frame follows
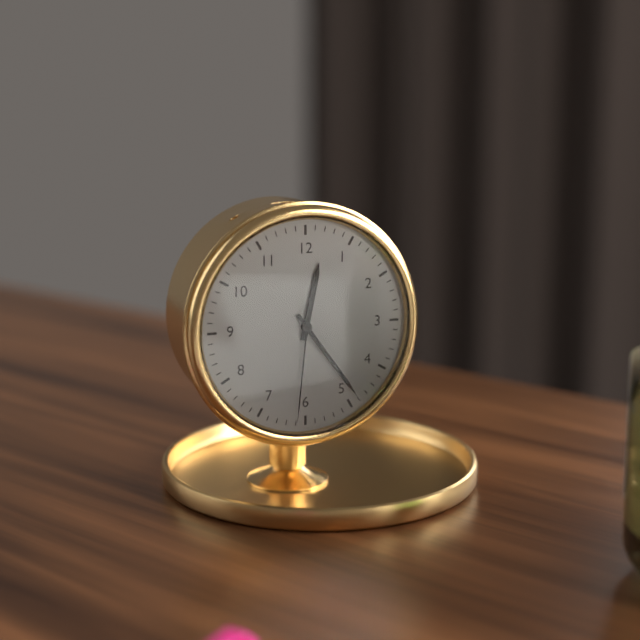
12h24m31s
